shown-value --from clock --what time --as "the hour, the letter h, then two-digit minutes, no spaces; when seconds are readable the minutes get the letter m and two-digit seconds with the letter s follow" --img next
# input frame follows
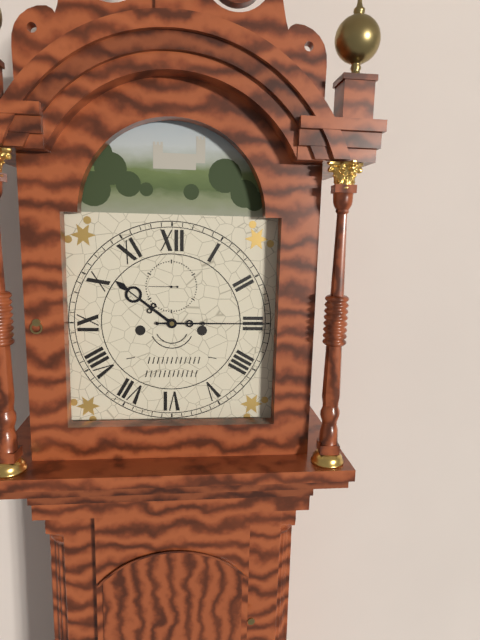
10h15
